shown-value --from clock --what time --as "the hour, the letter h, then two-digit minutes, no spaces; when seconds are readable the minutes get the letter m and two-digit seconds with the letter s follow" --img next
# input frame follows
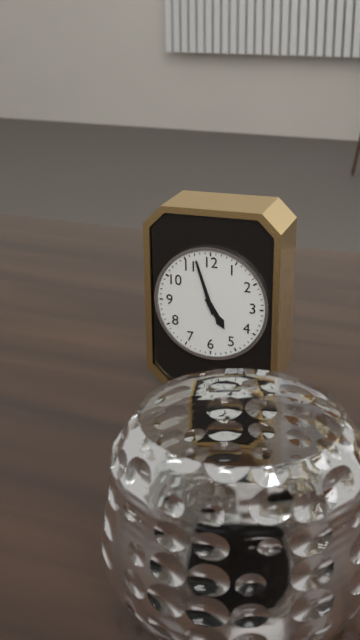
4h57
